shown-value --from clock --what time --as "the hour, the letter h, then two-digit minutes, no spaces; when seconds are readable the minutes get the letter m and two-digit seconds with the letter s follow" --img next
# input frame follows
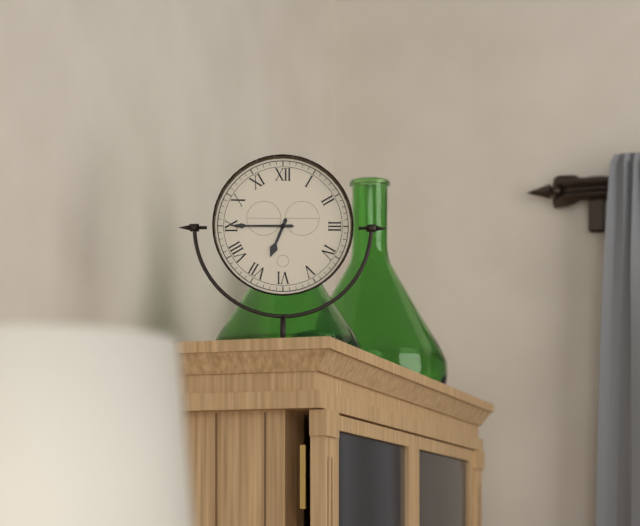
6h45
